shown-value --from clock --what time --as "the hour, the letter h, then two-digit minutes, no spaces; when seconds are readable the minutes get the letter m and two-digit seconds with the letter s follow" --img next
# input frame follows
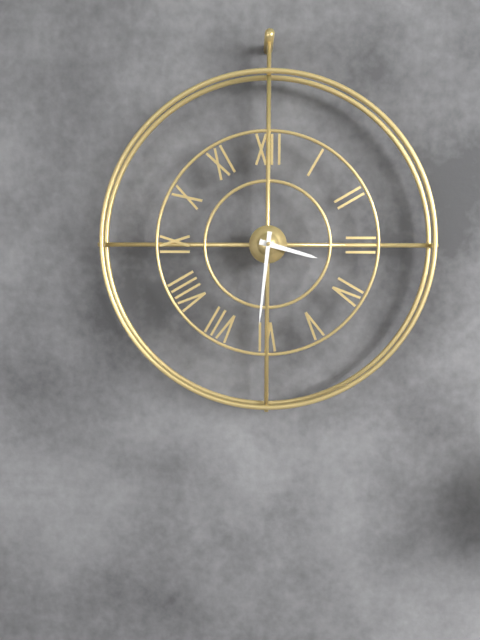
3h31
